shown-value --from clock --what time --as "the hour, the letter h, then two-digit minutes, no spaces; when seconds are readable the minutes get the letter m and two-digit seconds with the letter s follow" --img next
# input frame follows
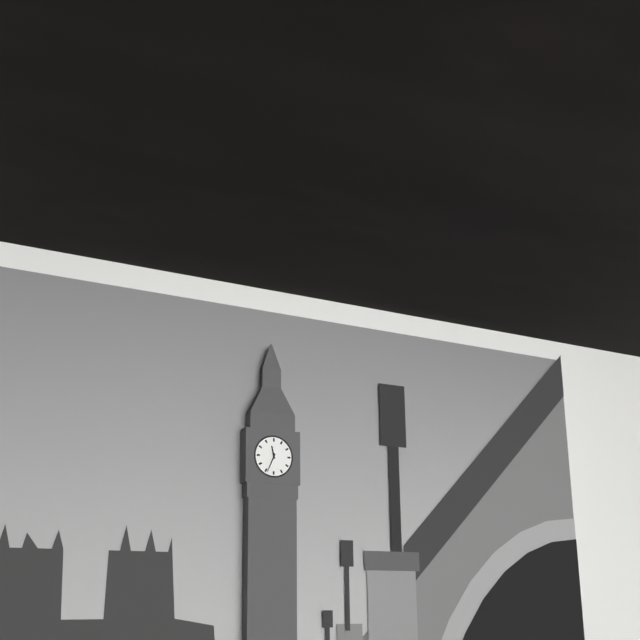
11h34
